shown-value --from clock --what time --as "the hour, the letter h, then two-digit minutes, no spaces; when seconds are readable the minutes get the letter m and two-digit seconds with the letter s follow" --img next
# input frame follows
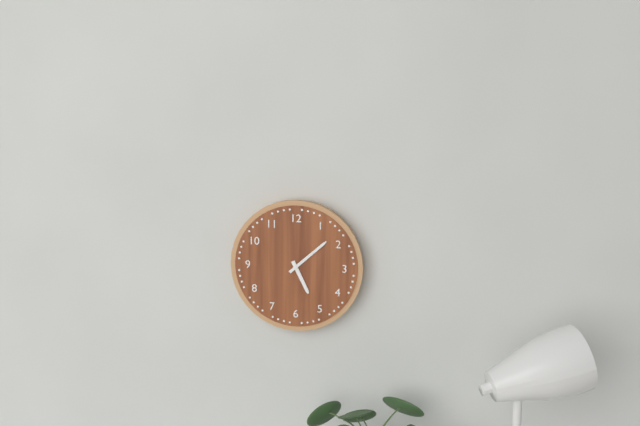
5h08
